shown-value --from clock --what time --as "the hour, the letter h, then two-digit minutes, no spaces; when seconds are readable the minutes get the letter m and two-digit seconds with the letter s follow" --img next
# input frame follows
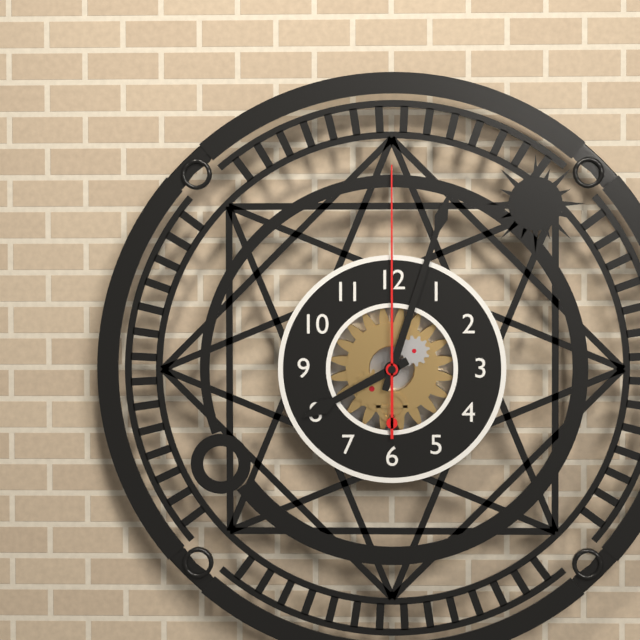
8h03m00s
